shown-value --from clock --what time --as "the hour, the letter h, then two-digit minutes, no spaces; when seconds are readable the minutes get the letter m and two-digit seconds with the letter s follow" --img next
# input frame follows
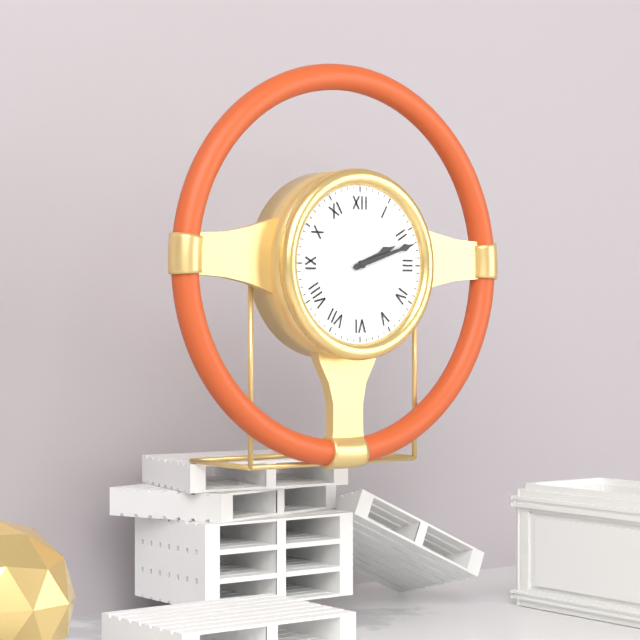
2h12
